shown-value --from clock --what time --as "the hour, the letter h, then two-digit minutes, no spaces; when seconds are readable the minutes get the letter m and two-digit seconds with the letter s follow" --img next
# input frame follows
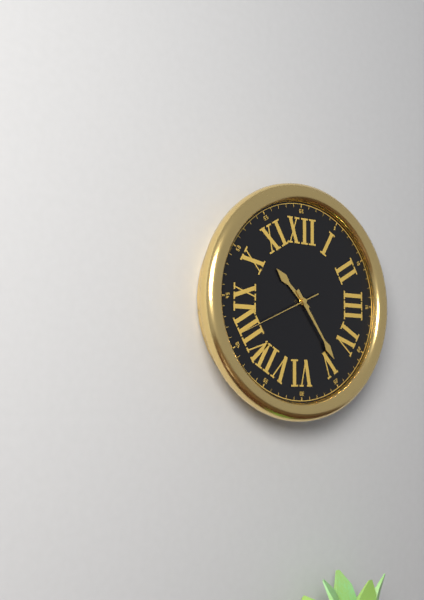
10h24m41s
